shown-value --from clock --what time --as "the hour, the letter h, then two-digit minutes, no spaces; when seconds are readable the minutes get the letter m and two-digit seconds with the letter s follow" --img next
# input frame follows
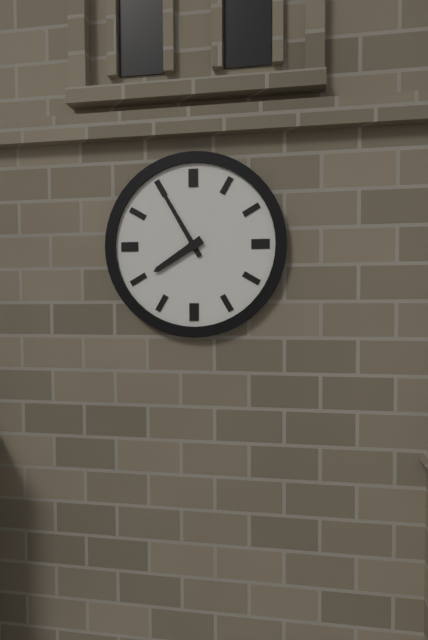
7h55
